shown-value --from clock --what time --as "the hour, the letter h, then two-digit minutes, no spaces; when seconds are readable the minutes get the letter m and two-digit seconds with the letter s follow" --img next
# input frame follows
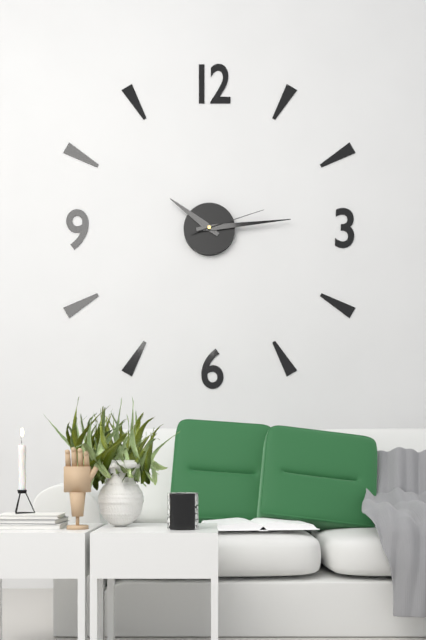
10h14m12s
